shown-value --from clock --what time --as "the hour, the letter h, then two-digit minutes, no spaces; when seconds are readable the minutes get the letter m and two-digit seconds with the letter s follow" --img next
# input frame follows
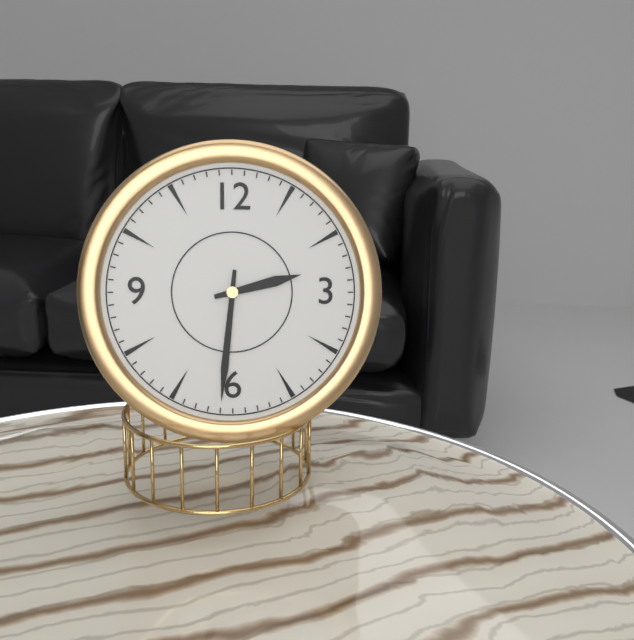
2h31
